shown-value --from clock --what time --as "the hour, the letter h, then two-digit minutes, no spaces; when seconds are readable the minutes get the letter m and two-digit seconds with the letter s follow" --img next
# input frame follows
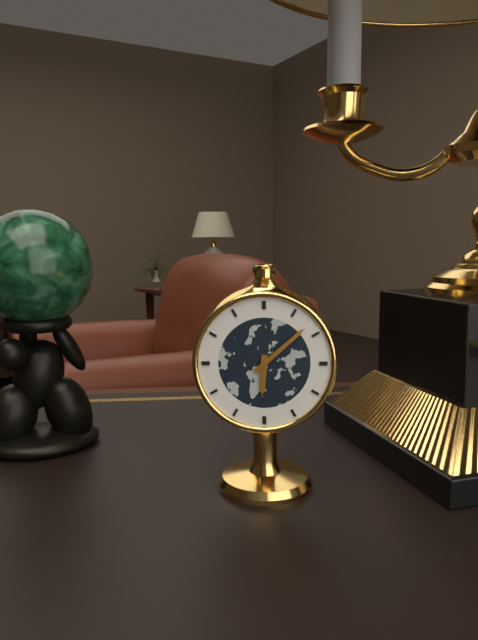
6h08
